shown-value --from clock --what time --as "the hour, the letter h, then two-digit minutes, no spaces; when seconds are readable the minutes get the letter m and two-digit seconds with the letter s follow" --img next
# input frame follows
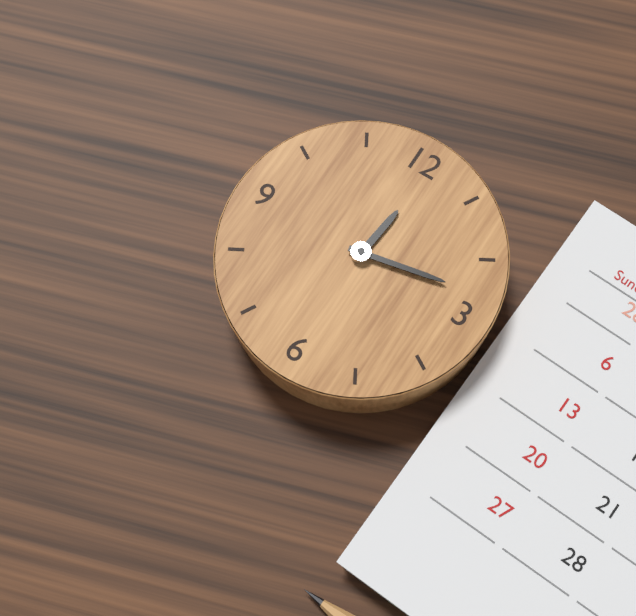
12h13
